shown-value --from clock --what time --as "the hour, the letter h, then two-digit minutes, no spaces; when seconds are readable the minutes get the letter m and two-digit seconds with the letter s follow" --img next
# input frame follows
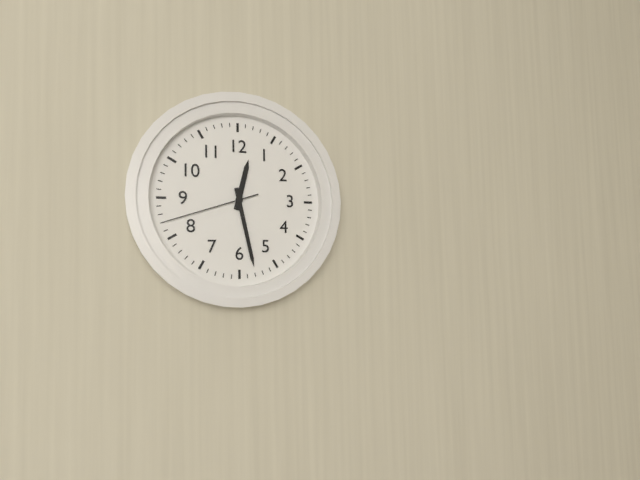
12h28m42s
